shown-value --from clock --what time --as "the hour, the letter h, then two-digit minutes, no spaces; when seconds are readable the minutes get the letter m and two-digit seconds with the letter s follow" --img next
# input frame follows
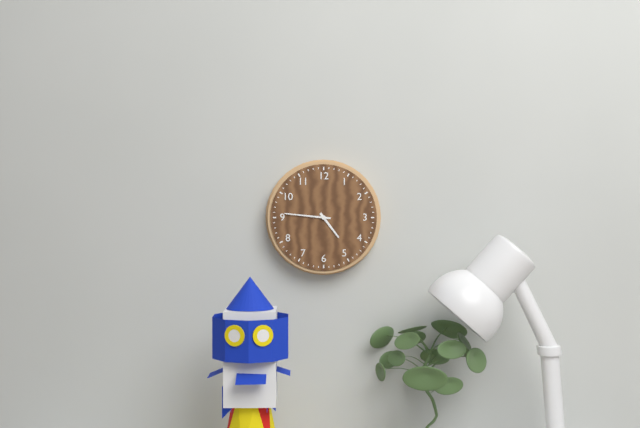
4h46
